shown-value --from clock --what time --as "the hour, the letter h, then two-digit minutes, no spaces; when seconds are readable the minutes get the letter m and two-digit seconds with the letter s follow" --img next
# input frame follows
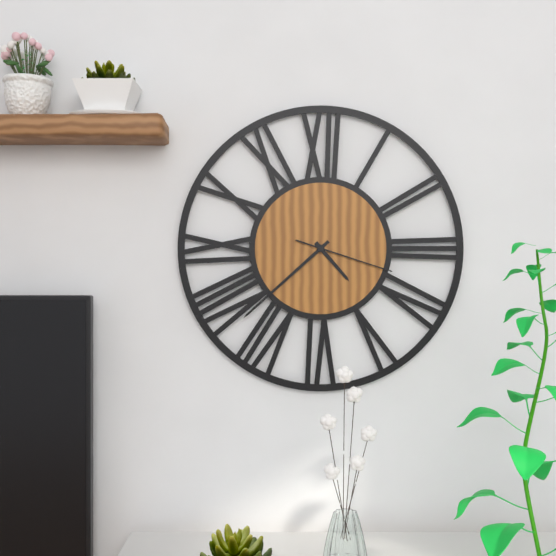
4h38m18s
